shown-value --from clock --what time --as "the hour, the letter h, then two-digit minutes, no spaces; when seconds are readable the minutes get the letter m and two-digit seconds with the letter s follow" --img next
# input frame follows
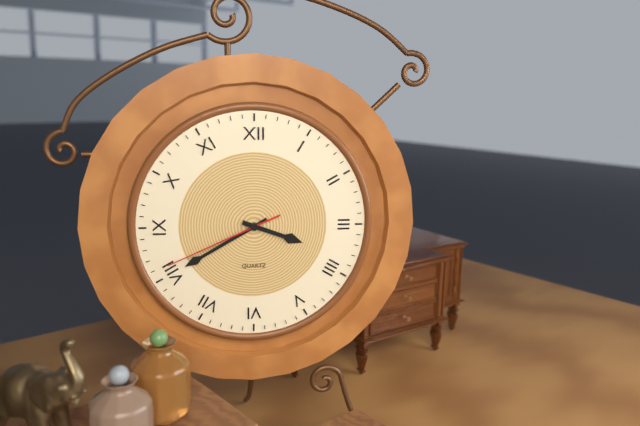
3h40m41s
